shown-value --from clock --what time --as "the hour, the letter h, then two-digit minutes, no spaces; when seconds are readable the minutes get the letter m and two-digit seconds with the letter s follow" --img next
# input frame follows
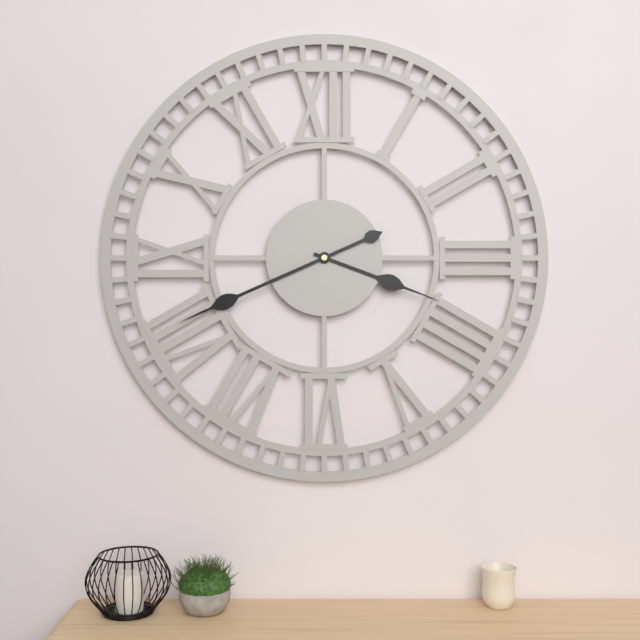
3h41
